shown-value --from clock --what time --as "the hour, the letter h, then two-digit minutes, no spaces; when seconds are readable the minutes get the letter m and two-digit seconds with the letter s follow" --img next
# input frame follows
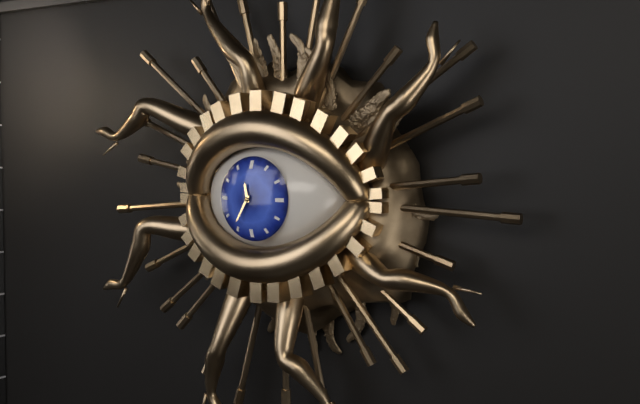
11h35
